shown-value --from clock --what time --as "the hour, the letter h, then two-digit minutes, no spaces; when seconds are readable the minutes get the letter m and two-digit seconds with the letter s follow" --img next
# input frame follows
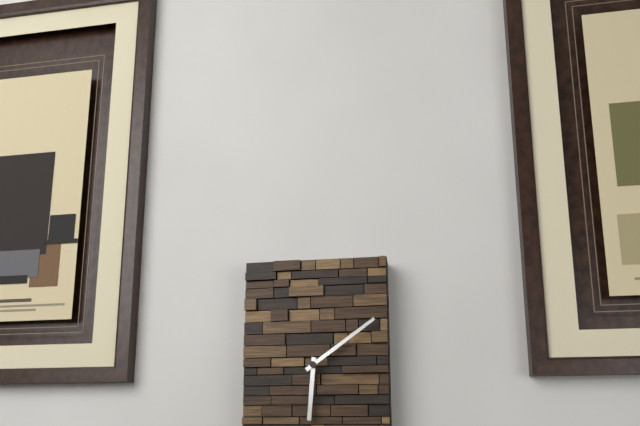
6h09
